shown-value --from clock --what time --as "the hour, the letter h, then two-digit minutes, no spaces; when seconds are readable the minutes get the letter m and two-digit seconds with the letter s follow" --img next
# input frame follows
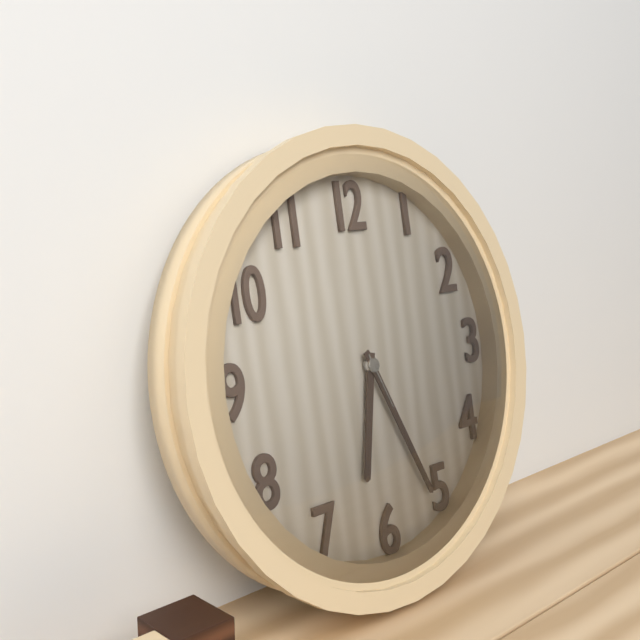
6h26m26s
